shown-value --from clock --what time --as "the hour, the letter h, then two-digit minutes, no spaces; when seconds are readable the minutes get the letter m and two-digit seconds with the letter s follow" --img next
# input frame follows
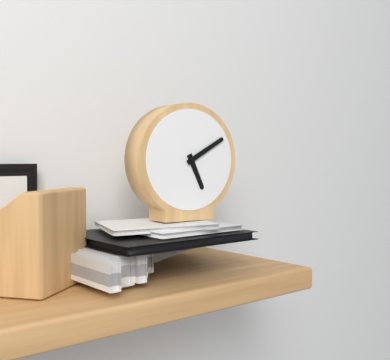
5h10
